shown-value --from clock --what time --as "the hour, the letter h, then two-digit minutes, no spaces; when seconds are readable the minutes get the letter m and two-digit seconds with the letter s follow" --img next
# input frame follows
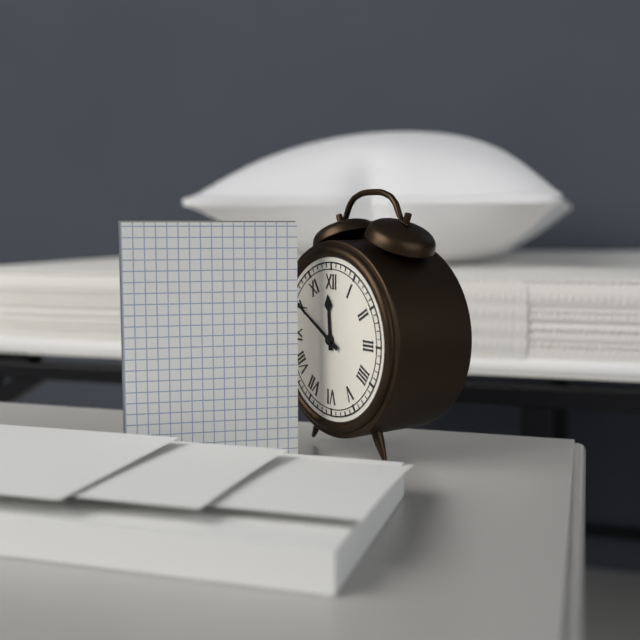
11h50
